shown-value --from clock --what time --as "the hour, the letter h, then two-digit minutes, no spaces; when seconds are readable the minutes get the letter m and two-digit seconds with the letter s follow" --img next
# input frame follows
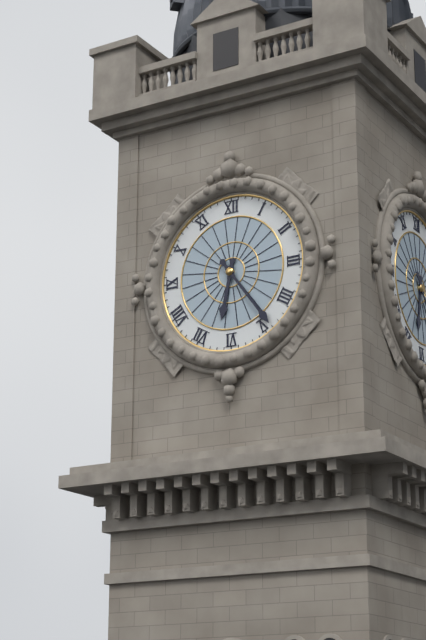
6h24
